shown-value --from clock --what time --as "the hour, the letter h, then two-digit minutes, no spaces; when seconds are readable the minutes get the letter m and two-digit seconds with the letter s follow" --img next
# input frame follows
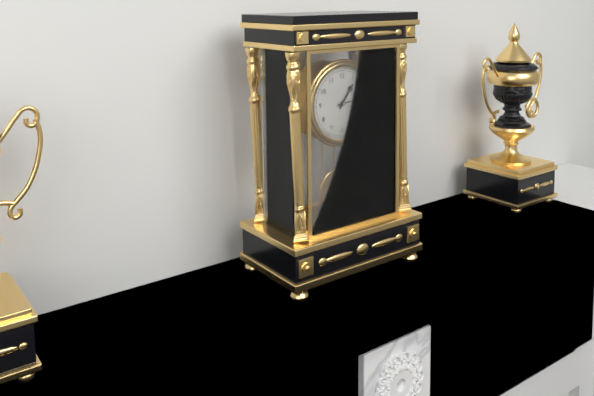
1h14
